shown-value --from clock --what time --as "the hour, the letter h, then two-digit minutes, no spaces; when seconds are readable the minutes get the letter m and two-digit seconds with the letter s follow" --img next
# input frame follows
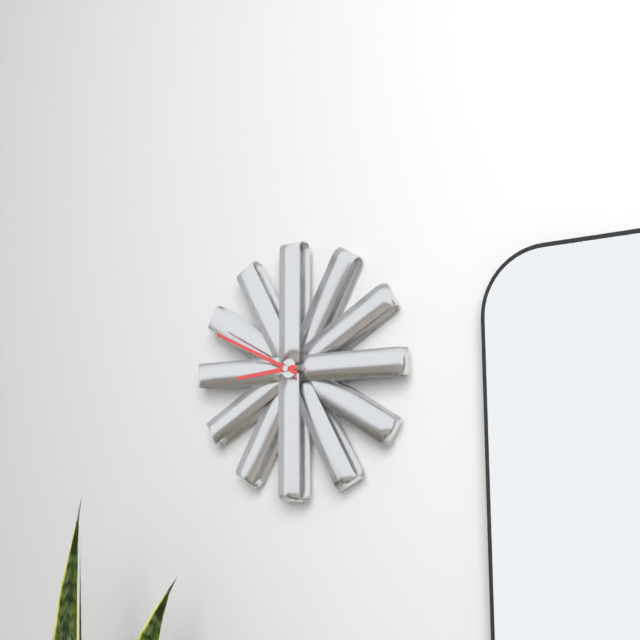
8h49
